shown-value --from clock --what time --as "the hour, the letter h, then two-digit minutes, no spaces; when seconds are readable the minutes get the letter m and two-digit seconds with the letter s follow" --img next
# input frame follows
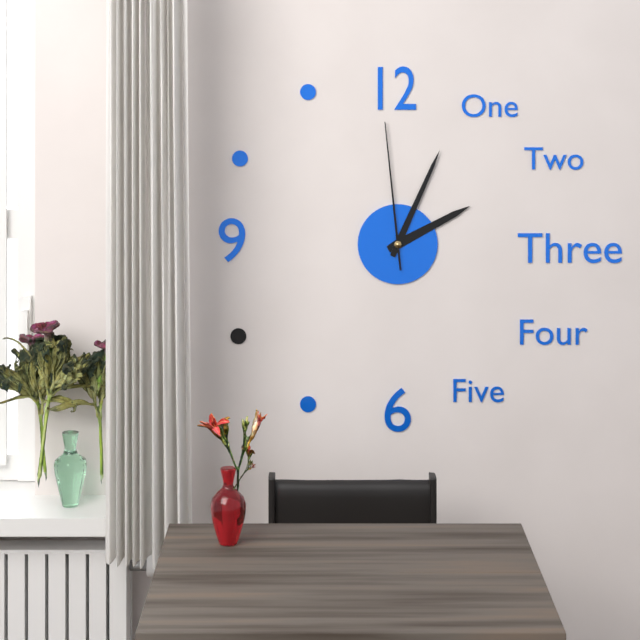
2h04m59s
